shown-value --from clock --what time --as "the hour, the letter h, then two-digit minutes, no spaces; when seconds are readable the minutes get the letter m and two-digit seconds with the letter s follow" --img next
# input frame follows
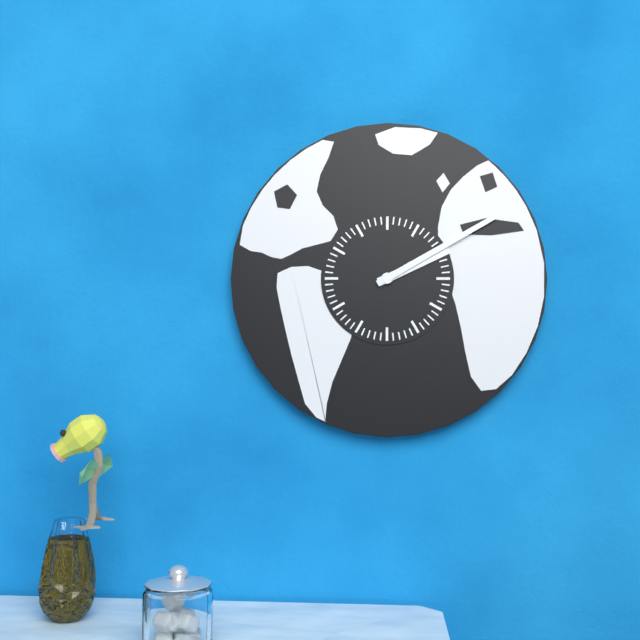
2h10
